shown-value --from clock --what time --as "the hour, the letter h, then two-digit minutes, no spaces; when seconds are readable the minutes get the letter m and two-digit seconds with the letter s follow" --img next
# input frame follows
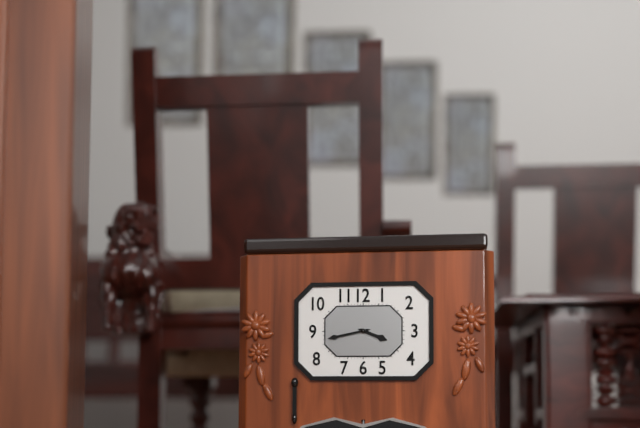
3h43
